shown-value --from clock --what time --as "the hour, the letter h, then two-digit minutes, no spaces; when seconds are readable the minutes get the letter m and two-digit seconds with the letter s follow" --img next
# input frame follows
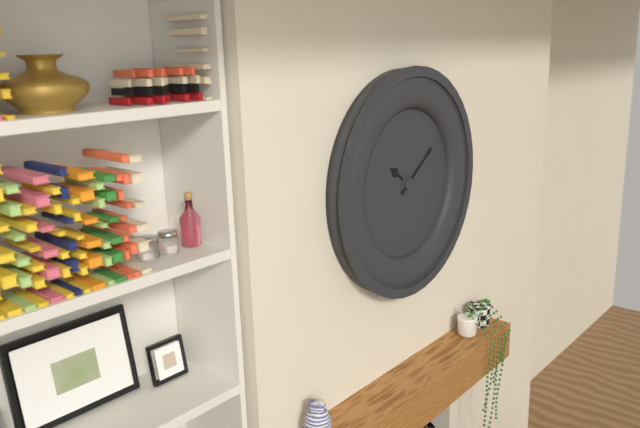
10h09
